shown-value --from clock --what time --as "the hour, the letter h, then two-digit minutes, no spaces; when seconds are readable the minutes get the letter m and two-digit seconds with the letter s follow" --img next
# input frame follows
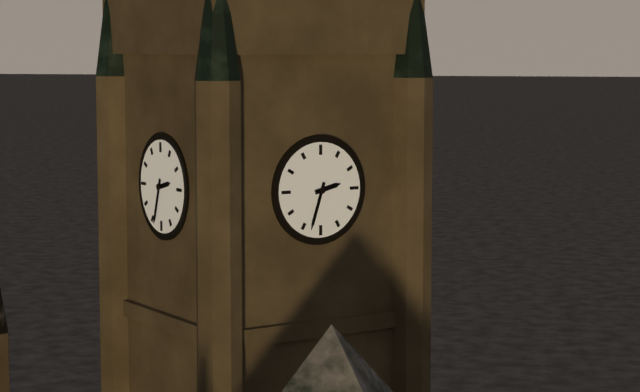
2h33
